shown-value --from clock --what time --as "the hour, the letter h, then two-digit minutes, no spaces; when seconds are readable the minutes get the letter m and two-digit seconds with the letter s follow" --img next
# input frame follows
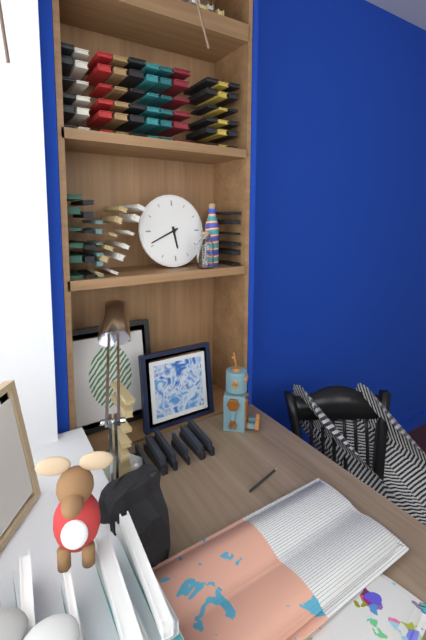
5h41
